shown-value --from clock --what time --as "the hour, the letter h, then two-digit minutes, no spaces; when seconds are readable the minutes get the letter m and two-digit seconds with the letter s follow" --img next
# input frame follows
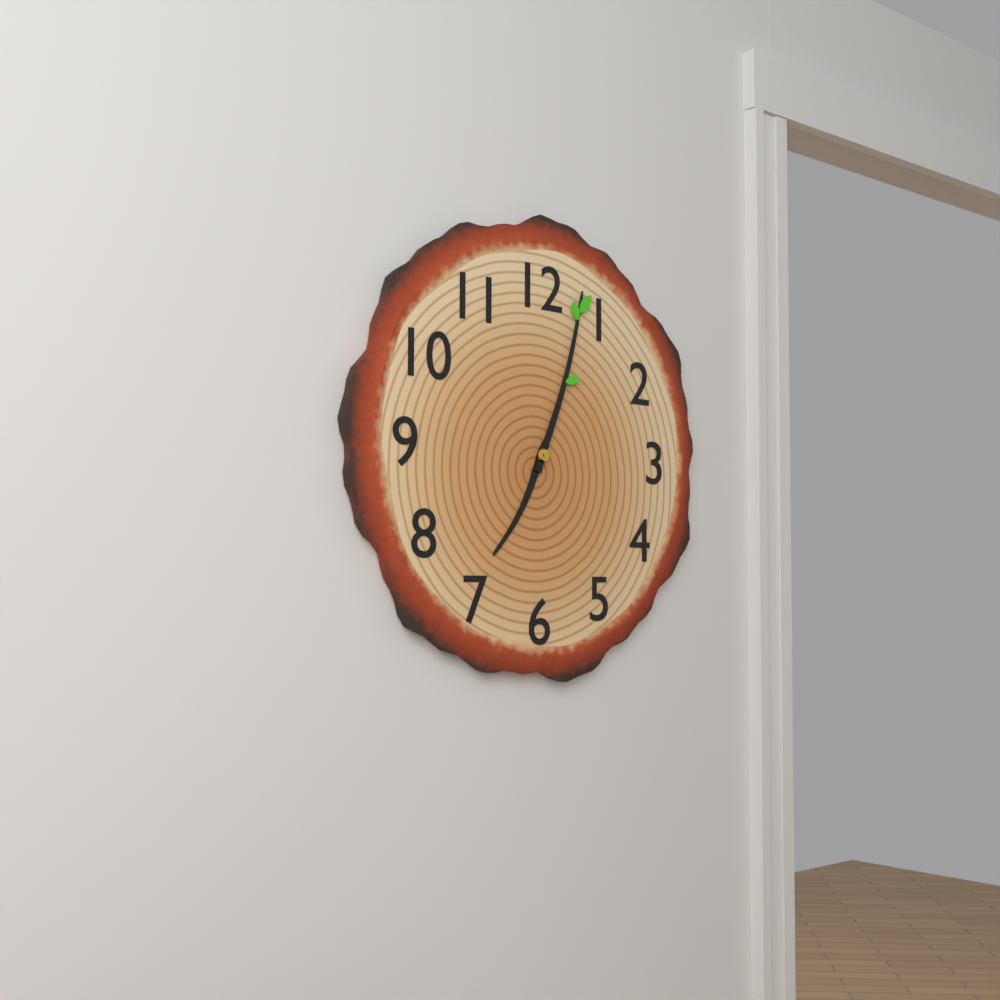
7h03
